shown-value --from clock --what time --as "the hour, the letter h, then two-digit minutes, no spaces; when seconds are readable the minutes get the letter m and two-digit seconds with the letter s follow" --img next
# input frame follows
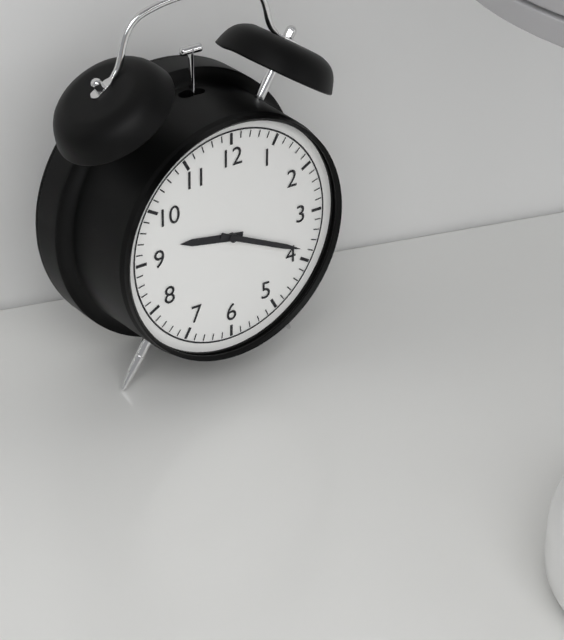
9h19
